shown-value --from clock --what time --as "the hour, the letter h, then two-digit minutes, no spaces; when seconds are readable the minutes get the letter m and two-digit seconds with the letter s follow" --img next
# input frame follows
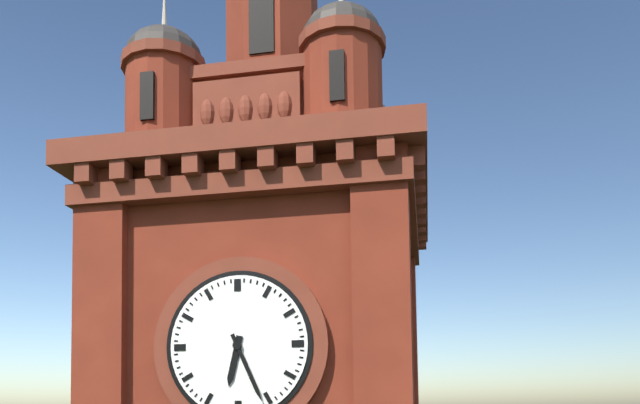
6h26
